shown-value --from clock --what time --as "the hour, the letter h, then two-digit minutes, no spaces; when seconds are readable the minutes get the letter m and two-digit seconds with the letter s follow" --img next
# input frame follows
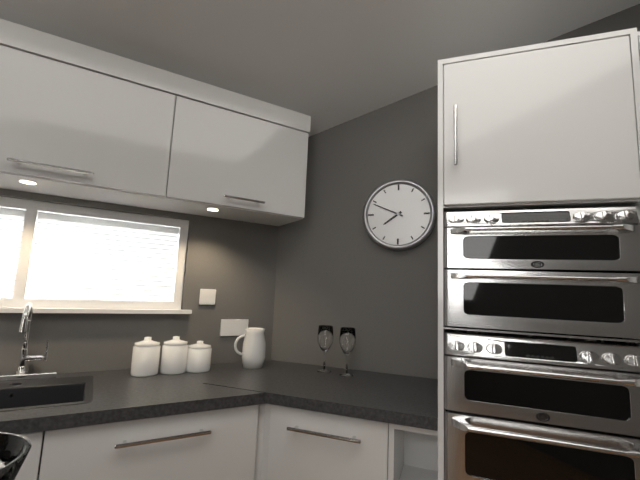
7h49
